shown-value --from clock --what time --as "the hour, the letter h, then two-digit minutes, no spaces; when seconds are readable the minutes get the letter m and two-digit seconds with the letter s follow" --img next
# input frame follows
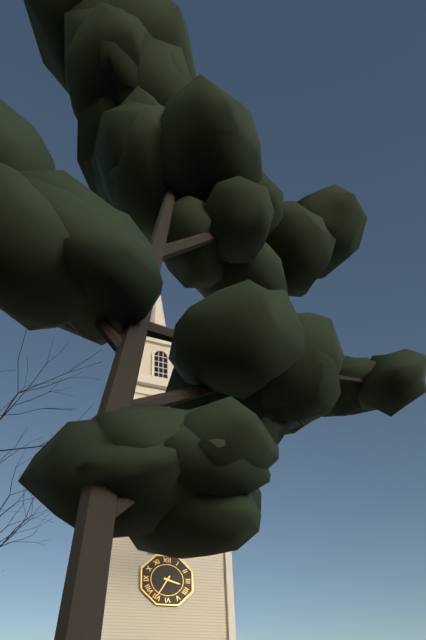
3h35
